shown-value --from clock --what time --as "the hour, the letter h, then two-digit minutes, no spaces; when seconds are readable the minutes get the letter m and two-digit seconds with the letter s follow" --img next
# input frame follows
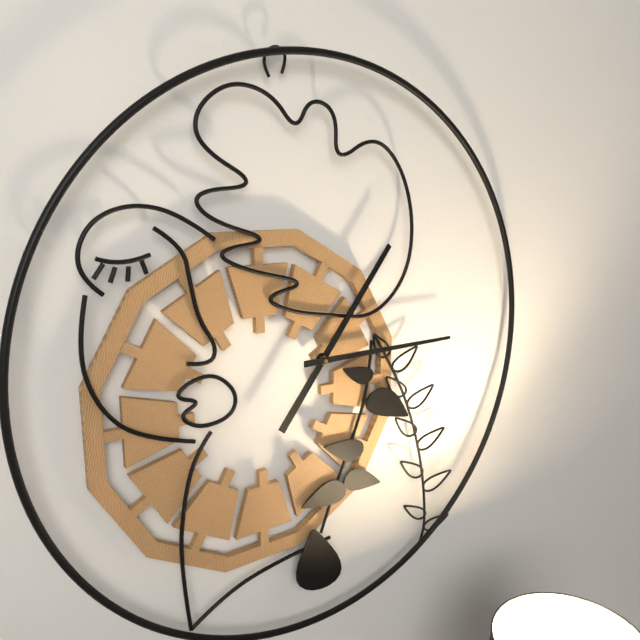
1h15
